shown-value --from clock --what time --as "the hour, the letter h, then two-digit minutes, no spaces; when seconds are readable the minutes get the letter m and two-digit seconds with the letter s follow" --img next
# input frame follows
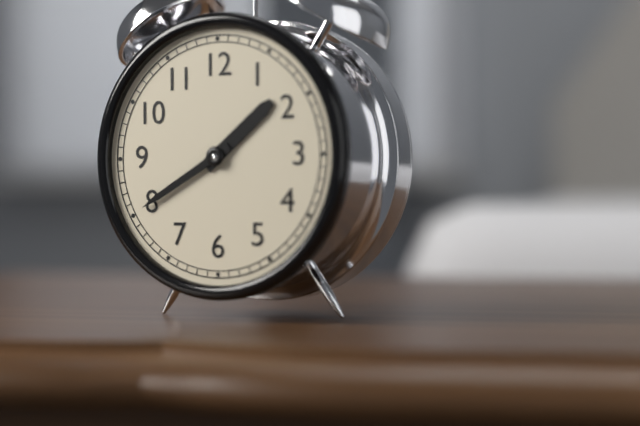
1h40
